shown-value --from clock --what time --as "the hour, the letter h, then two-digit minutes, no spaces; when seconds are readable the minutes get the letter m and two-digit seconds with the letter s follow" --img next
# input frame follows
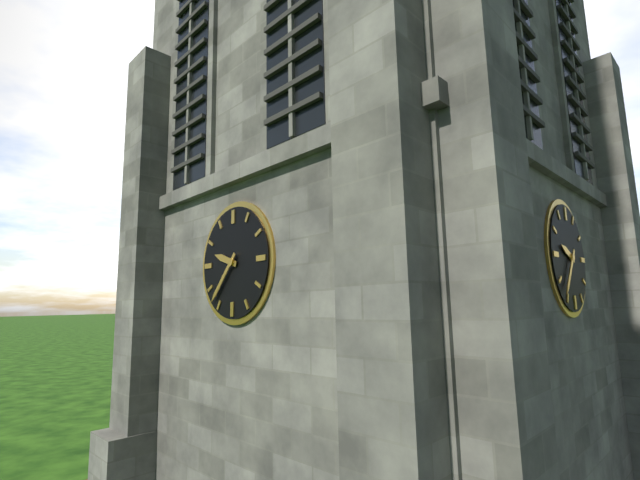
9h37
